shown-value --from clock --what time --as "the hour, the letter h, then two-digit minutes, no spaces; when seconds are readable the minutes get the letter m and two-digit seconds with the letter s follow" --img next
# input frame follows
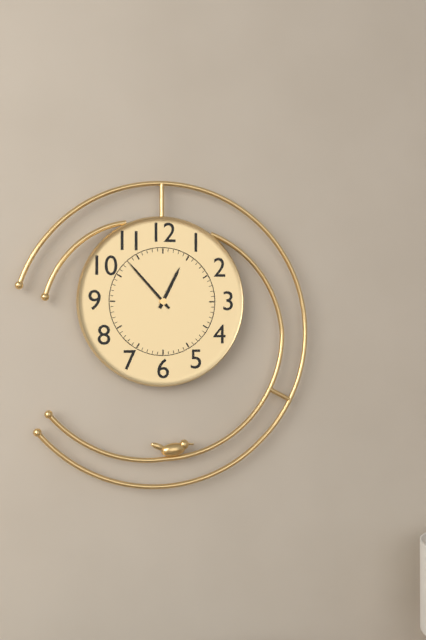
12h53
